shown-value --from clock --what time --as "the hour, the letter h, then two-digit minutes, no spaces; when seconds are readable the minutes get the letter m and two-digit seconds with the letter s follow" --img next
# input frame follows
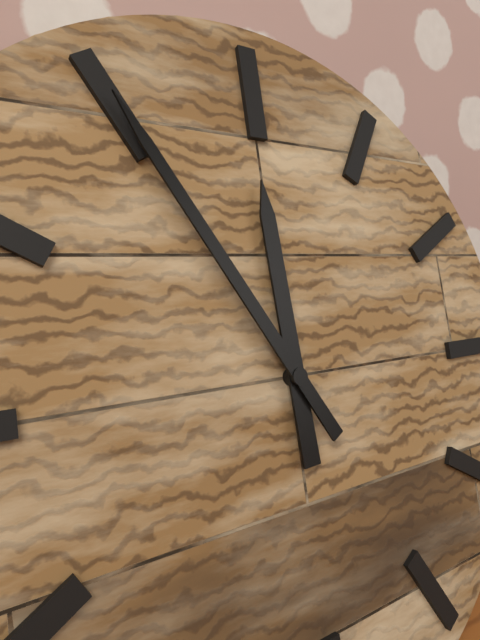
11h55
